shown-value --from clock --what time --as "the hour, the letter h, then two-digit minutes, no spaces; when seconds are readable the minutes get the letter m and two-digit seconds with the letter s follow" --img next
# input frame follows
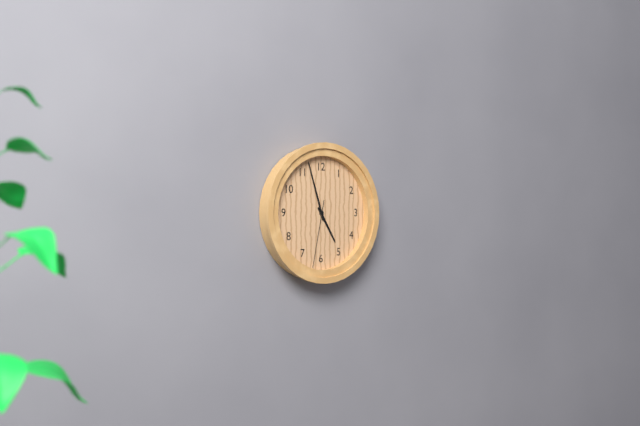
4h57m32s
